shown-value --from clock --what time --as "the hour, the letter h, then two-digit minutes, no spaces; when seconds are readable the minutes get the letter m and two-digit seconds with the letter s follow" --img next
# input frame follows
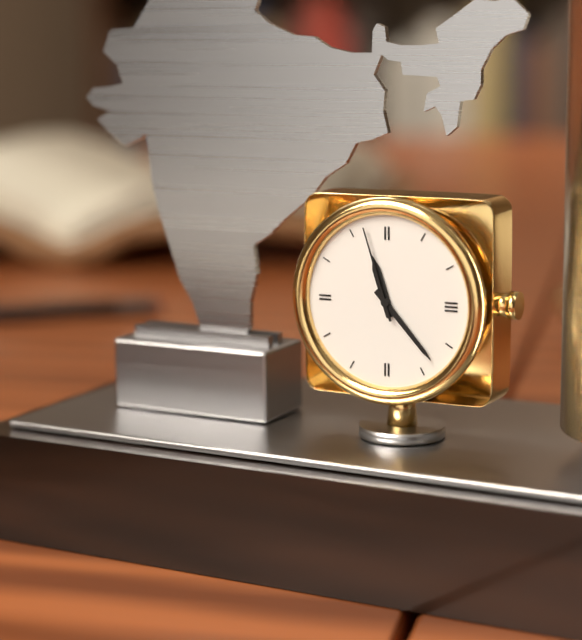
11h23m57s
